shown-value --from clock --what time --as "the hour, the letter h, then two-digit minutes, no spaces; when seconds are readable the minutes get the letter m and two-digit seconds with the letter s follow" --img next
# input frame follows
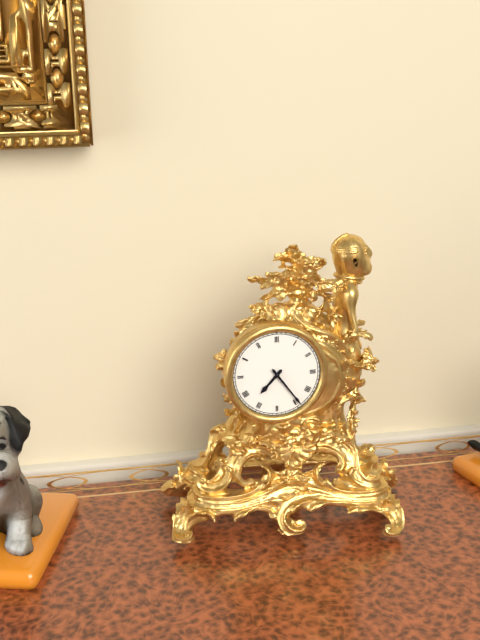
7h24
